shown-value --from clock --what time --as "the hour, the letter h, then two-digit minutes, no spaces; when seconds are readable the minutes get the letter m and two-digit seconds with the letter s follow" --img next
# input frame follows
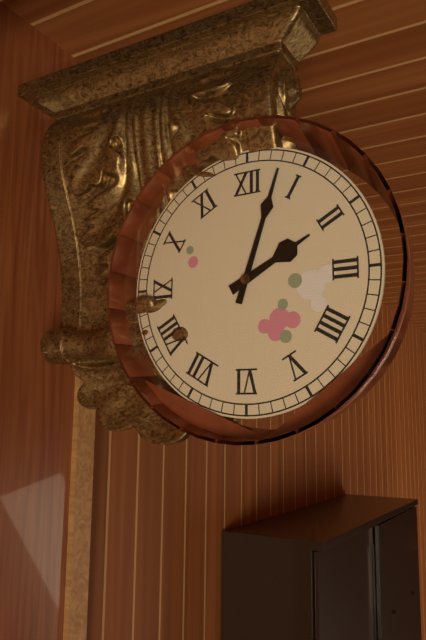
2h03
